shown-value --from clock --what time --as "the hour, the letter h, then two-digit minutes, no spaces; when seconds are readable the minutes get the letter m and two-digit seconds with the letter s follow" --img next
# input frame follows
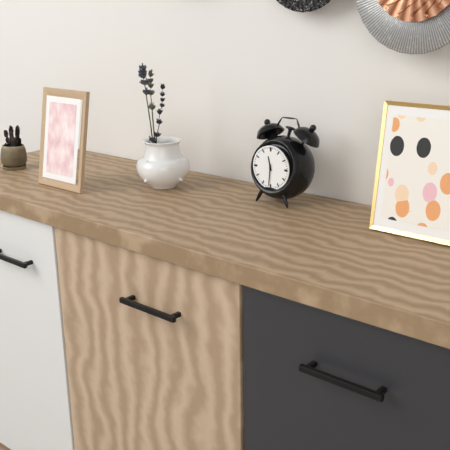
11h31
